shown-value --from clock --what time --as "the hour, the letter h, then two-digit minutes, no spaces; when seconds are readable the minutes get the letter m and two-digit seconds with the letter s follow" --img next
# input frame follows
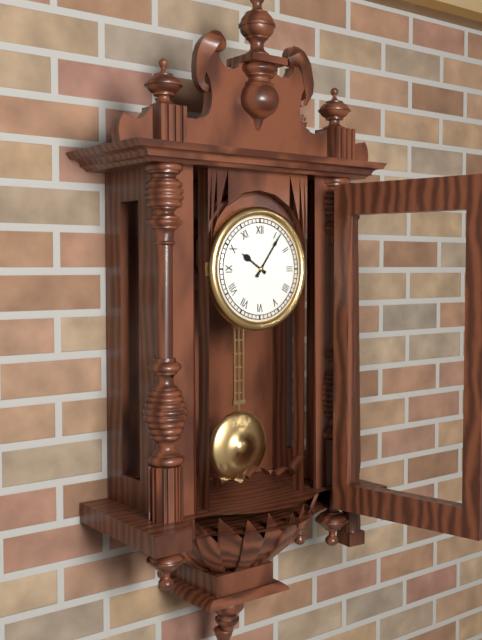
10h06
